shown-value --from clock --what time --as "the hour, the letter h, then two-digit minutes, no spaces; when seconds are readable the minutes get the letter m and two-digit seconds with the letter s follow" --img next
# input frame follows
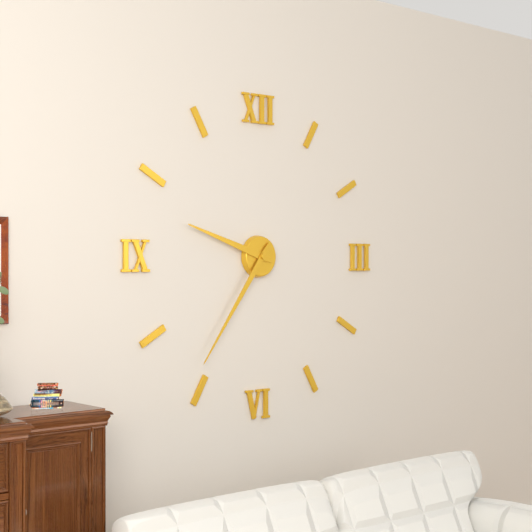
9h36
